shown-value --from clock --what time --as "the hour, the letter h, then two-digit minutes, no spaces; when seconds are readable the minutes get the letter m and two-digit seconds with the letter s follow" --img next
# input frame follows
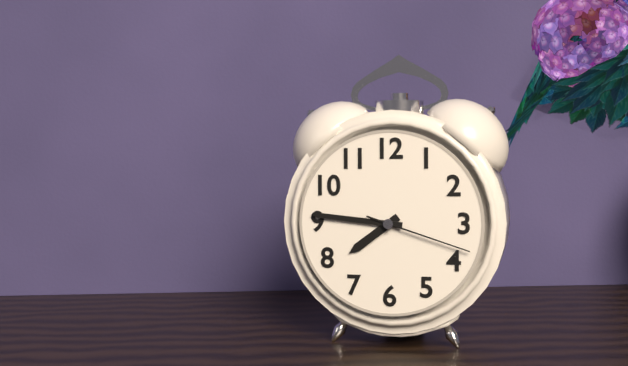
7h46m18s
